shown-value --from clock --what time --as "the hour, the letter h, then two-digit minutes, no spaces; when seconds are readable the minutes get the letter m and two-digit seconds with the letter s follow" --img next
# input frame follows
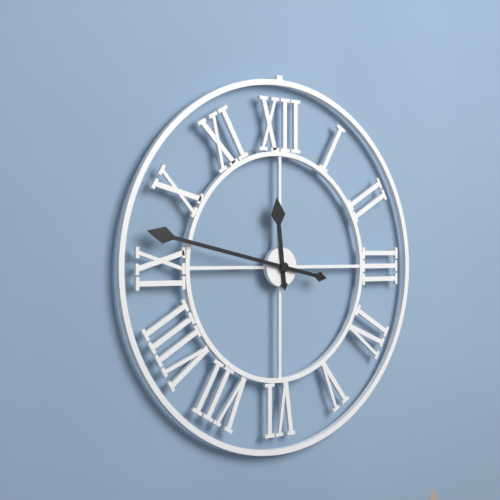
11h47
